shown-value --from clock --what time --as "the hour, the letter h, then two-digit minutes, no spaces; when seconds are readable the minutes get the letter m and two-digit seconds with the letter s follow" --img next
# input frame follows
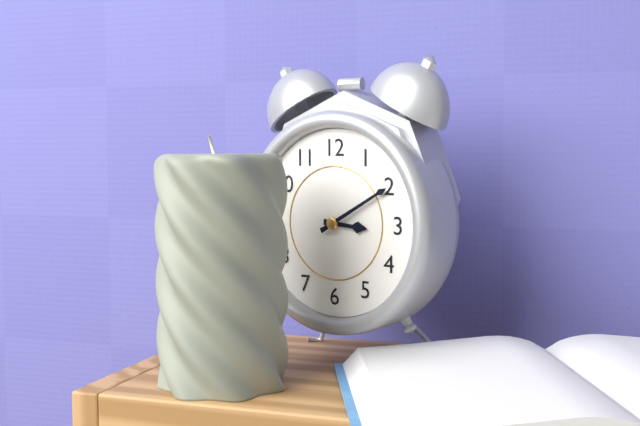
3h10
